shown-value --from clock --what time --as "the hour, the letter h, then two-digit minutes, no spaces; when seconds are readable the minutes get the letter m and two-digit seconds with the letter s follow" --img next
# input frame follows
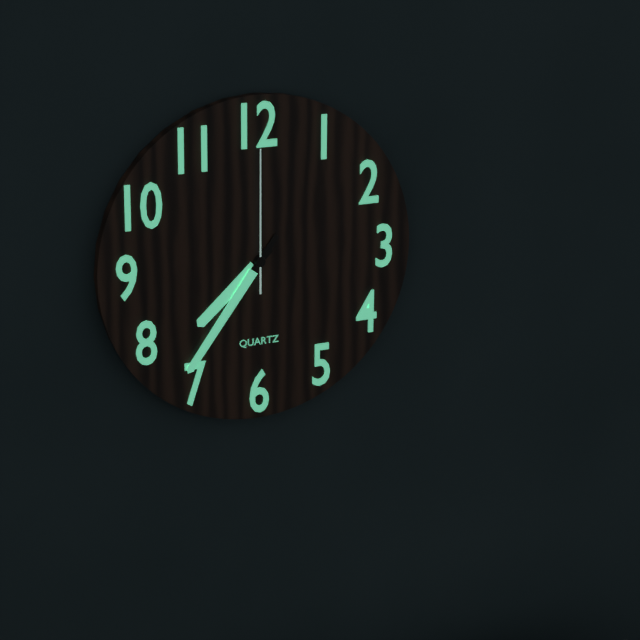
7h36m00s
